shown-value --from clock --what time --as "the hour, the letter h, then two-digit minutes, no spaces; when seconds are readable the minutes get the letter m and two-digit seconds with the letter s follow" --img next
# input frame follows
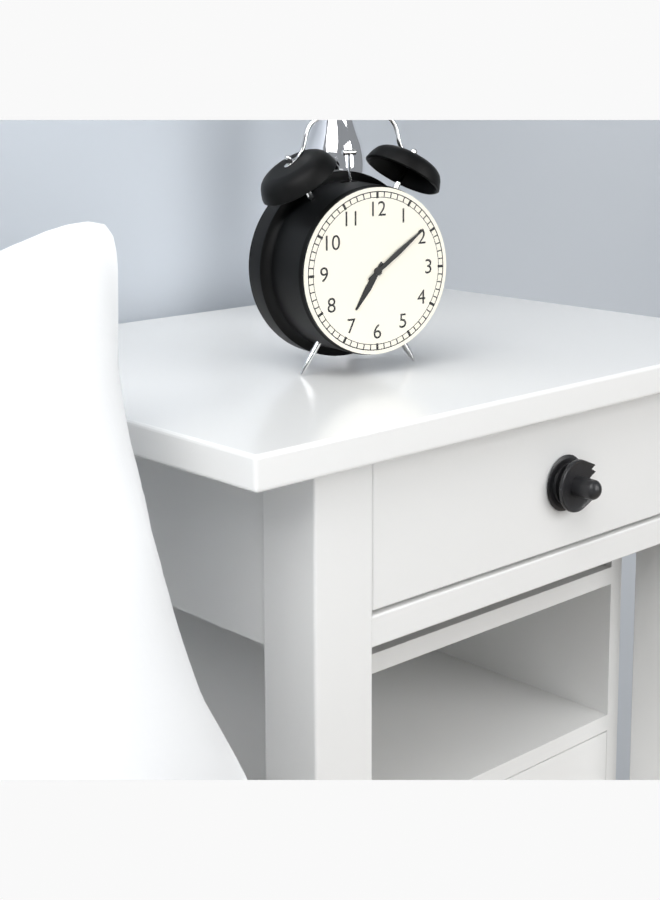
7h09
